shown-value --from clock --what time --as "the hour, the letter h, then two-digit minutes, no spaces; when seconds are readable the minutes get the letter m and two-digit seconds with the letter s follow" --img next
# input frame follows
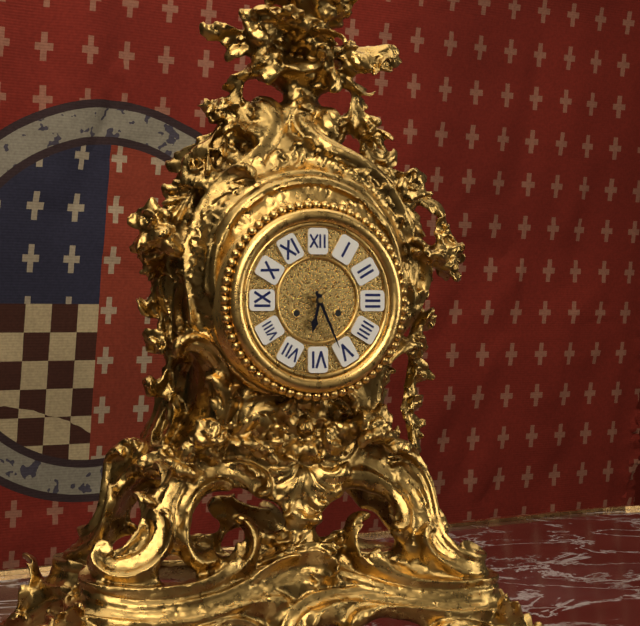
6h26
